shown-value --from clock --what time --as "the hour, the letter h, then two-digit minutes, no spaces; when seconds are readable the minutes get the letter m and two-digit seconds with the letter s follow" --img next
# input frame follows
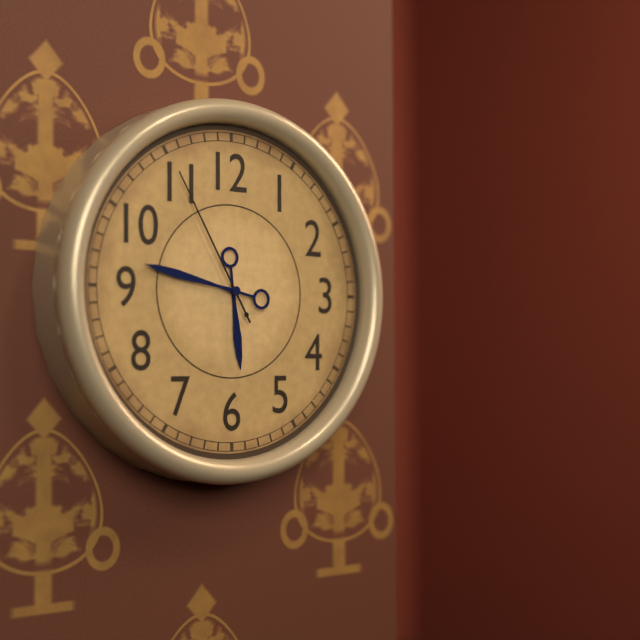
5h47m55s
